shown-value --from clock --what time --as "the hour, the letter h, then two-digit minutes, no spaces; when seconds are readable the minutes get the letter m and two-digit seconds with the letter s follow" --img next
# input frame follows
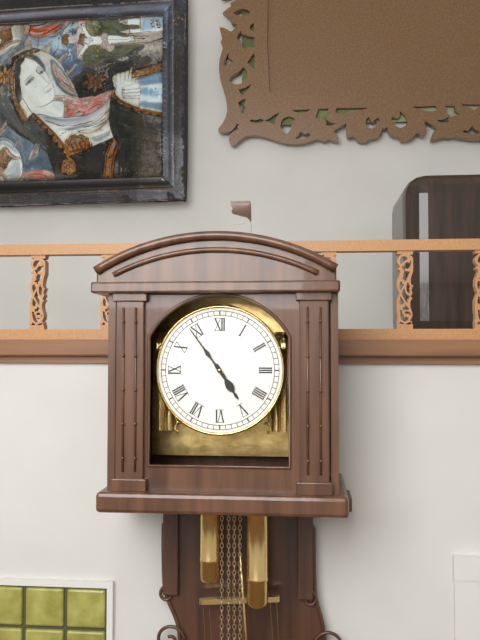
4h54
